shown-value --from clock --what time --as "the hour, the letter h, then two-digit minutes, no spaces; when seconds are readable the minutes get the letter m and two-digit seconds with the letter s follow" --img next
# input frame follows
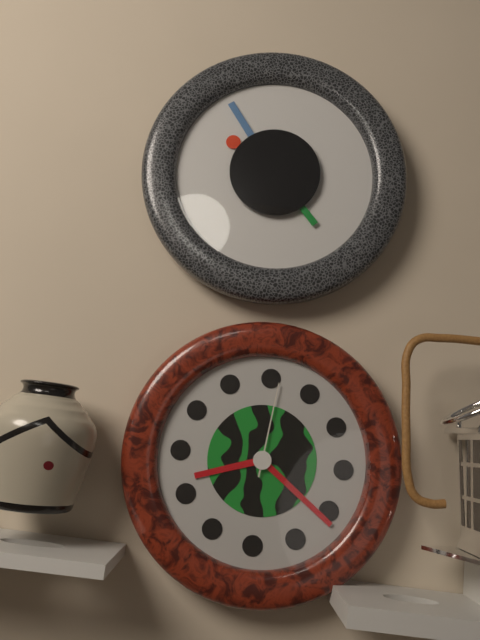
8h21m01s
